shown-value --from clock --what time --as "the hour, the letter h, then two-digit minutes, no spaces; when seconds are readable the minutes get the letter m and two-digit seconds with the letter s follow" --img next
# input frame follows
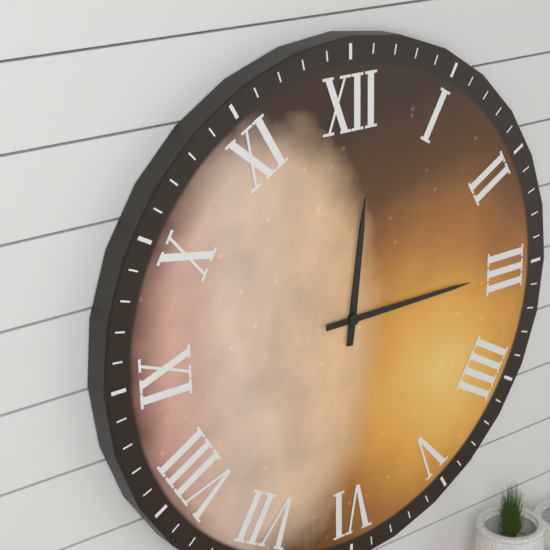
12h15
